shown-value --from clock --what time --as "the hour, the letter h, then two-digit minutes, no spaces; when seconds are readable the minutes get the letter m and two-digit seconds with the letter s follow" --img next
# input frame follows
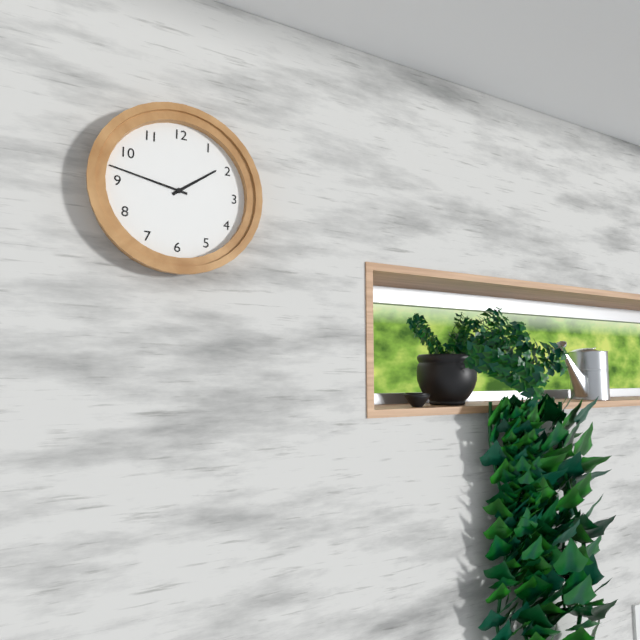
1h47
